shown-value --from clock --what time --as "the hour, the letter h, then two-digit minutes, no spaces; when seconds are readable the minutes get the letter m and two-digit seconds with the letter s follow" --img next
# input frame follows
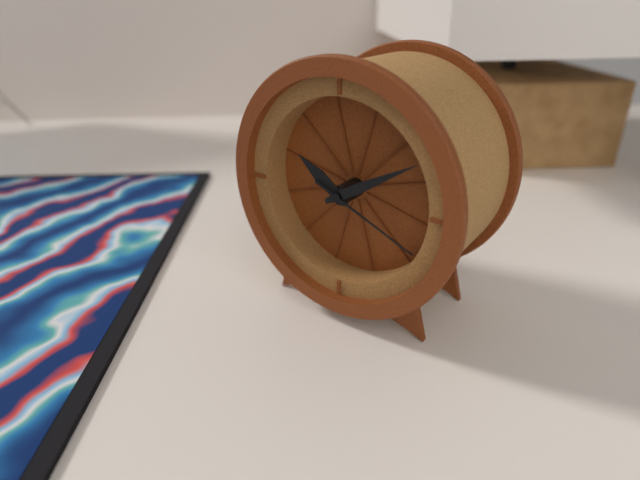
10h10m19s
